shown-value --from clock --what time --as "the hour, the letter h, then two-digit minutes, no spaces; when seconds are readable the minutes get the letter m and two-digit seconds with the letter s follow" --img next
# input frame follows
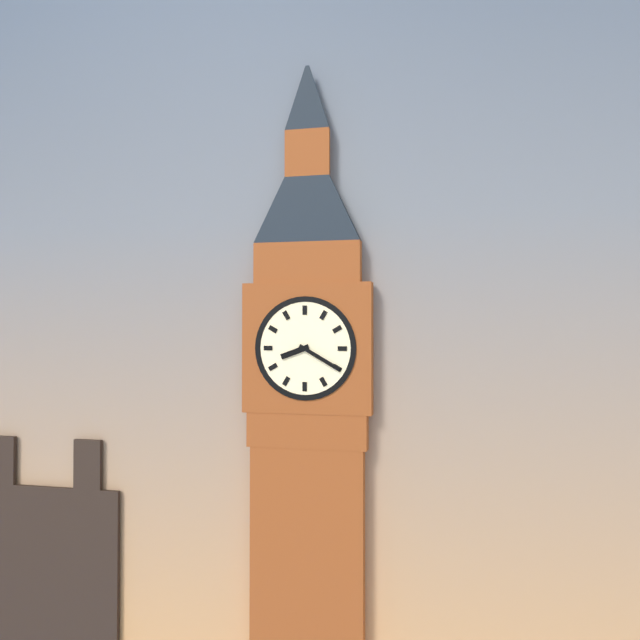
8h20
